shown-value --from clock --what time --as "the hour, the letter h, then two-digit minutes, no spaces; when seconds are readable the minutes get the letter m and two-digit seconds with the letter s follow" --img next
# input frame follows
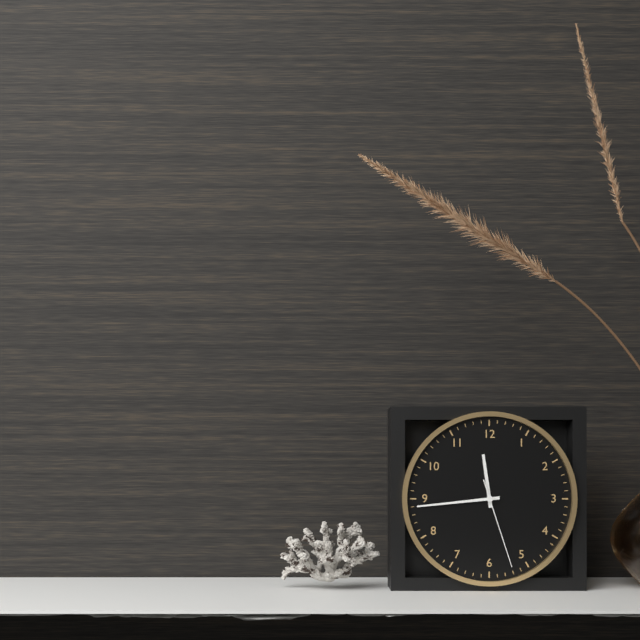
11h44m27s
